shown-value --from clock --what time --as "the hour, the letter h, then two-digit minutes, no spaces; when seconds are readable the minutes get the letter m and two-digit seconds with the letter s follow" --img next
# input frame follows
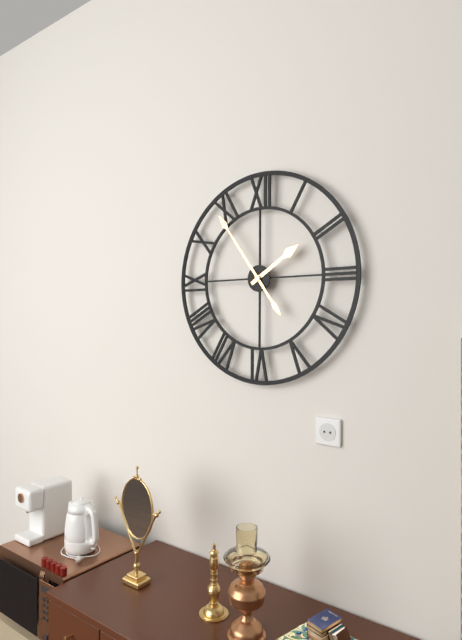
1h54
